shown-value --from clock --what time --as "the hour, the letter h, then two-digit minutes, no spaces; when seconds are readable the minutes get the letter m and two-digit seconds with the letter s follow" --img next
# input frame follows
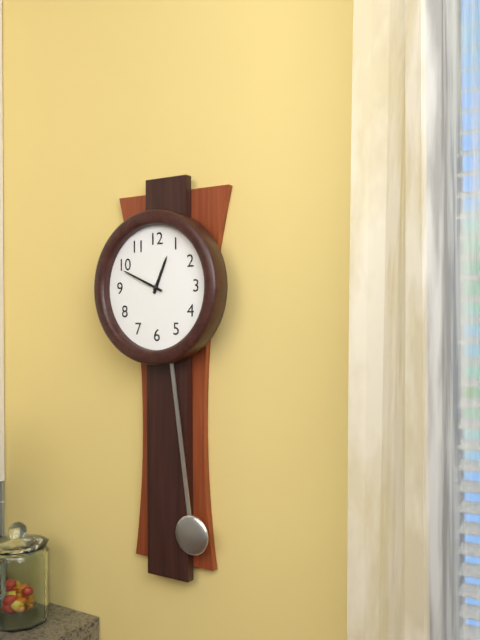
12h49
